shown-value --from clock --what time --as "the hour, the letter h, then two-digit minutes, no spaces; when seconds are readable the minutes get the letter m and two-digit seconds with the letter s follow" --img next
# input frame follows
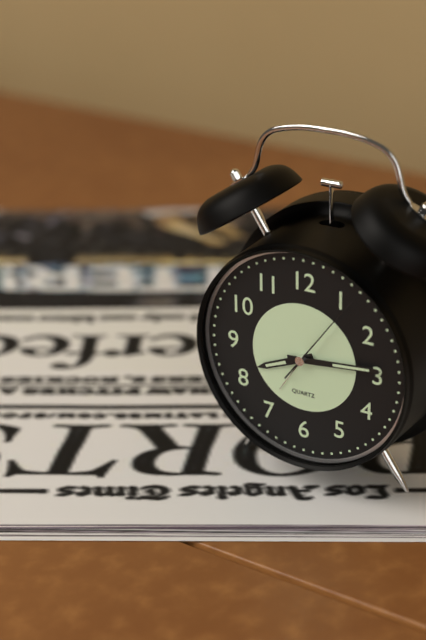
8h14m06s
